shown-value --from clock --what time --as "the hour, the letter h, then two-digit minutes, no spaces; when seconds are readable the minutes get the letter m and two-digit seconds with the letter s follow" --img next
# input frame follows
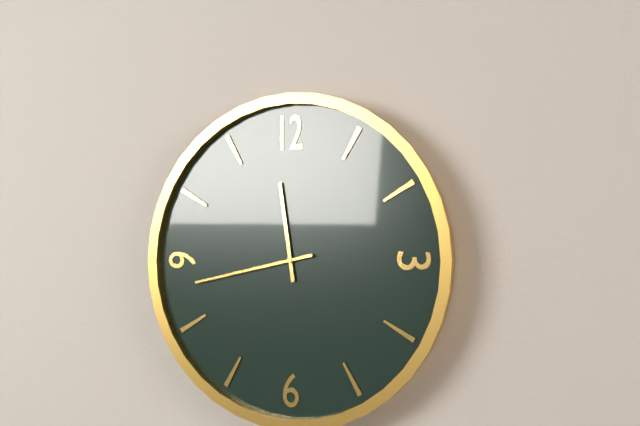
11h43
